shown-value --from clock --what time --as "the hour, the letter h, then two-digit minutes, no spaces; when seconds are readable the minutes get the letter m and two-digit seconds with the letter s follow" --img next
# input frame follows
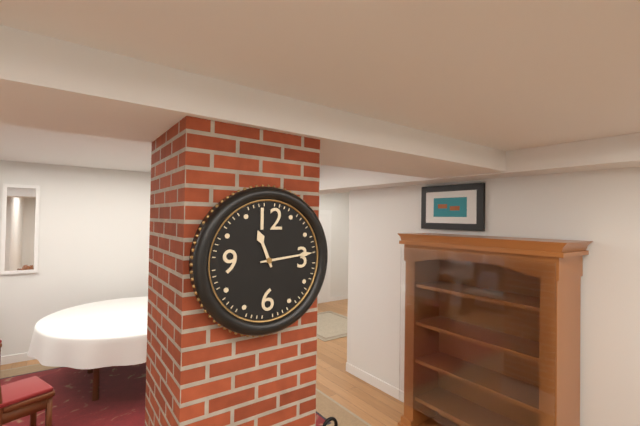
11h14
